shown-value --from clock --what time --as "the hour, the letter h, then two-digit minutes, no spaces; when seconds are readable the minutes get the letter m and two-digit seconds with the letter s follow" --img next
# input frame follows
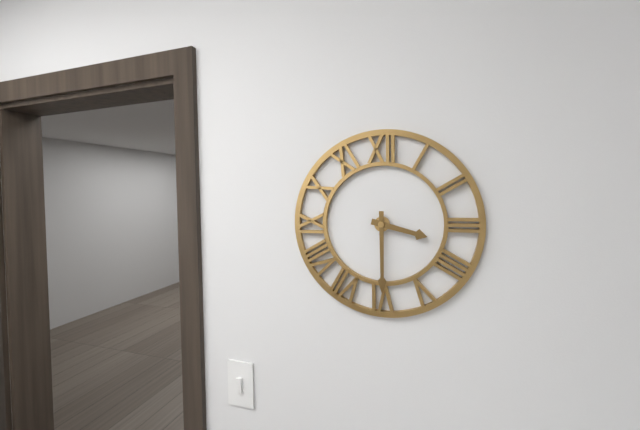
3h30
